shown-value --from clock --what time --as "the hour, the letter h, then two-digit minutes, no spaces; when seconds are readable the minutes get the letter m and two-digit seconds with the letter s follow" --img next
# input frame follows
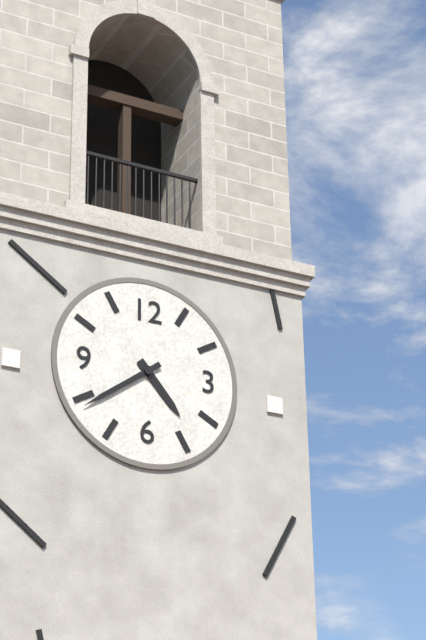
4h39
